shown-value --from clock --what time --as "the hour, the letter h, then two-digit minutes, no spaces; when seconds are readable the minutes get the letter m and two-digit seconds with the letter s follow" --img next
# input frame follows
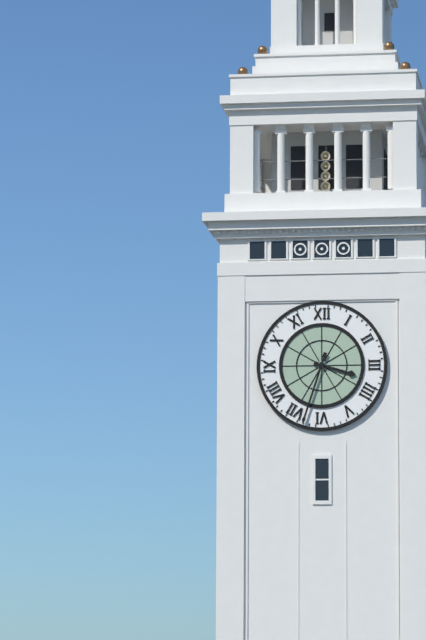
3h33
